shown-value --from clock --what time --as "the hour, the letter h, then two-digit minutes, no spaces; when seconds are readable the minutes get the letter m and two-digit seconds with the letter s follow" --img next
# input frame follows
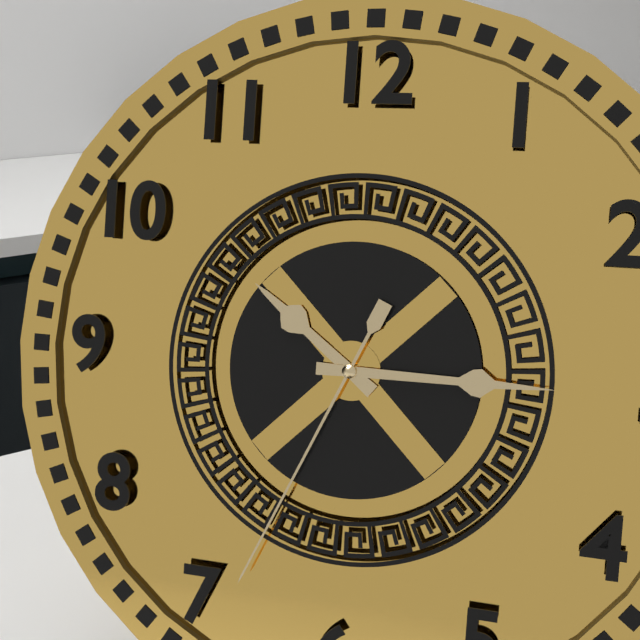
10h15m34s
